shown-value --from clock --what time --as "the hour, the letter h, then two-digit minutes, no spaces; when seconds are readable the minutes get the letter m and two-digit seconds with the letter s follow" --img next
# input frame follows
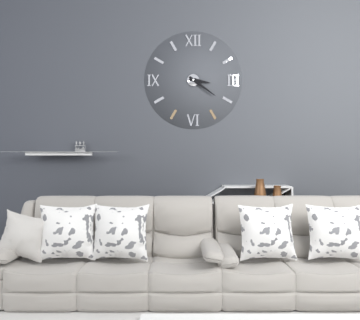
3h21
